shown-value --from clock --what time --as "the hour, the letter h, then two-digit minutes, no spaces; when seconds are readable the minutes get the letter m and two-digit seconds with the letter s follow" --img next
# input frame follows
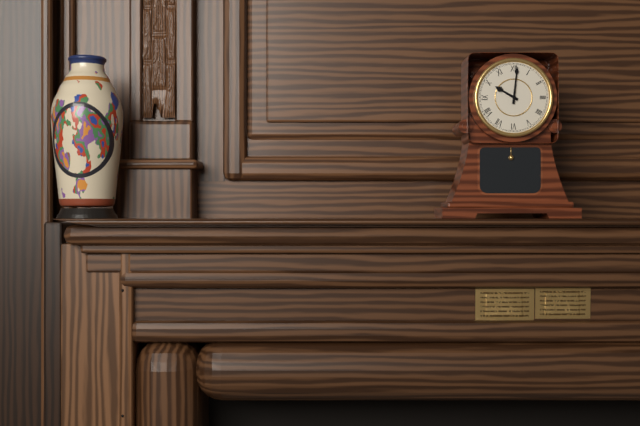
10h01
